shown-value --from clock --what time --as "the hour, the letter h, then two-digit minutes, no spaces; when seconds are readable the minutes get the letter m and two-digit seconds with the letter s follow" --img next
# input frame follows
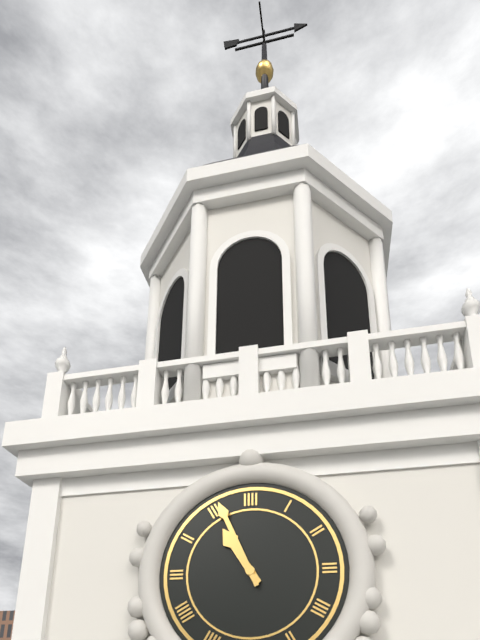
10h56
